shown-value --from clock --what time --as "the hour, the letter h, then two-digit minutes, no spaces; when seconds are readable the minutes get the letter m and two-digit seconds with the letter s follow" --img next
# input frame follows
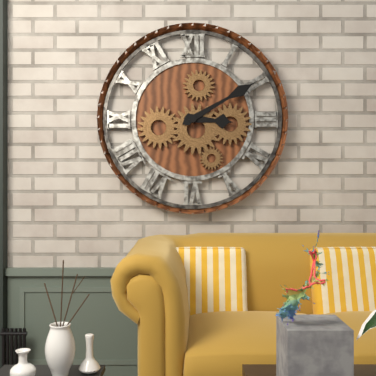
3h10
